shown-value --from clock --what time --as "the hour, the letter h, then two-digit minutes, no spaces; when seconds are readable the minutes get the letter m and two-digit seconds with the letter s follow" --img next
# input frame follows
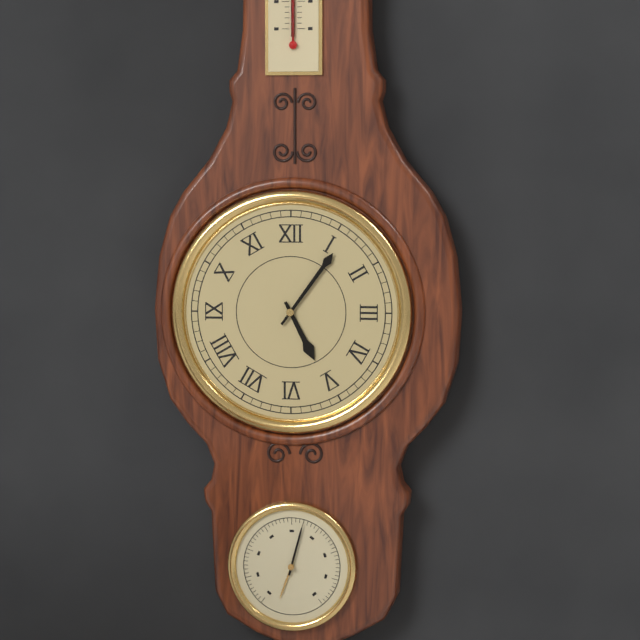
5h06
